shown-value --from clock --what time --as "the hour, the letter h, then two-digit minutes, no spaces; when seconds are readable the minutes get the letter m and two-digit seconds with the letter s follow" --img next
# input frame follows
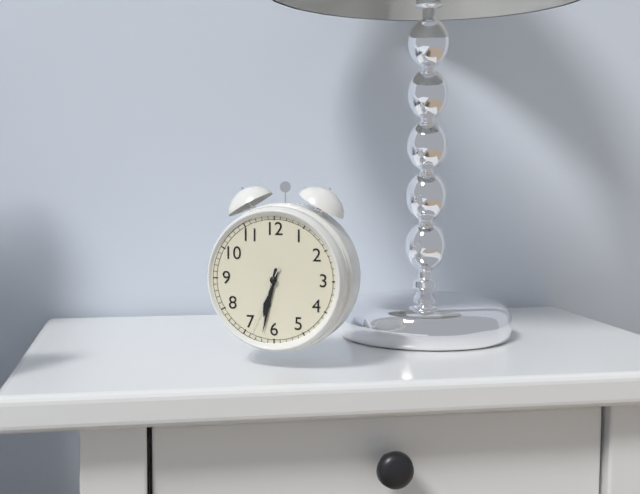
6h32m34s
